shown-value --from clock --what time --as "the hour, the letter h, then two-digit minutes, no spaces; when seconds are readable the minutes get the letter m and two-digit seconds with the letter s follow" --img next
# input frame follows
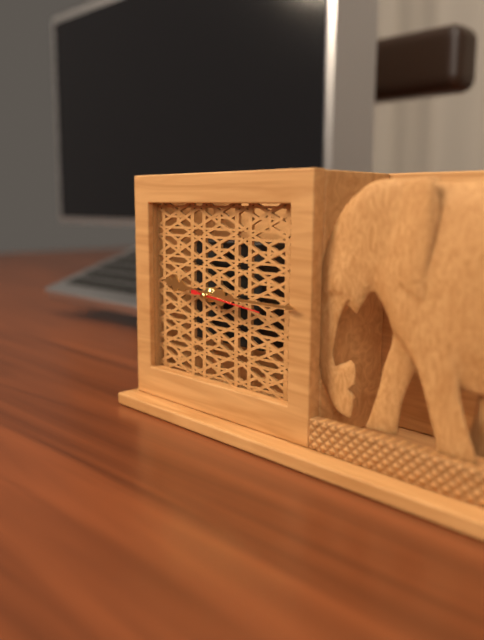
9h15m16s
